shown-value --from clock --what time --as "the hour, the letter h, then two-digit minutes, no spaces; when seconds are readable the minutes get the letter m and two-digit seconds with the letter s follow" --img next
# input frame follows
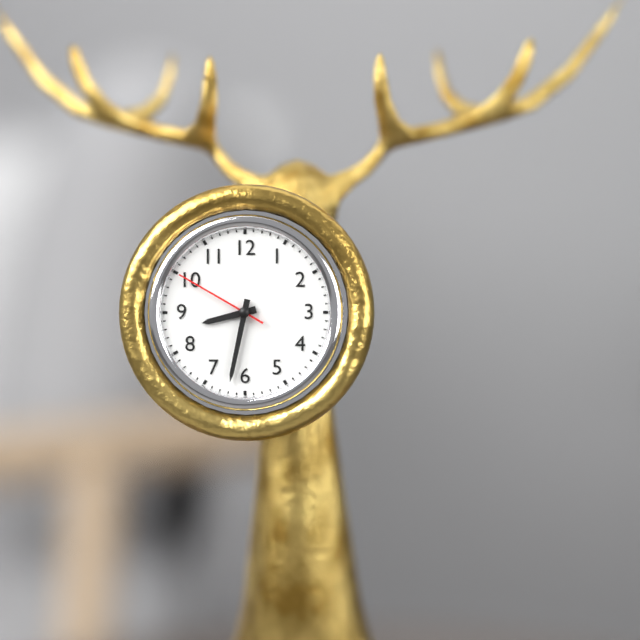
8h32m50s
